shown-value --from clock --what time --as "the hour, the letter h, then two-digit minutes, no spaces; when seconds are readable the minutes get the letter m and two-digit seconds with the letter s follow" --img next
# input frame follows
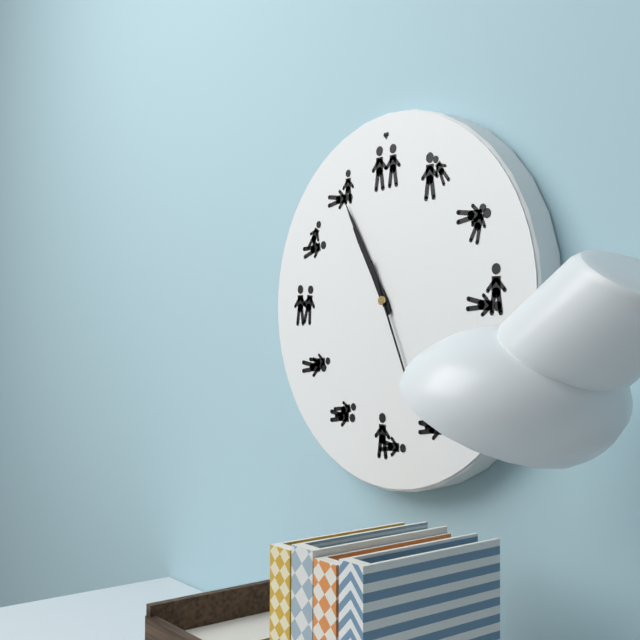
10h55
